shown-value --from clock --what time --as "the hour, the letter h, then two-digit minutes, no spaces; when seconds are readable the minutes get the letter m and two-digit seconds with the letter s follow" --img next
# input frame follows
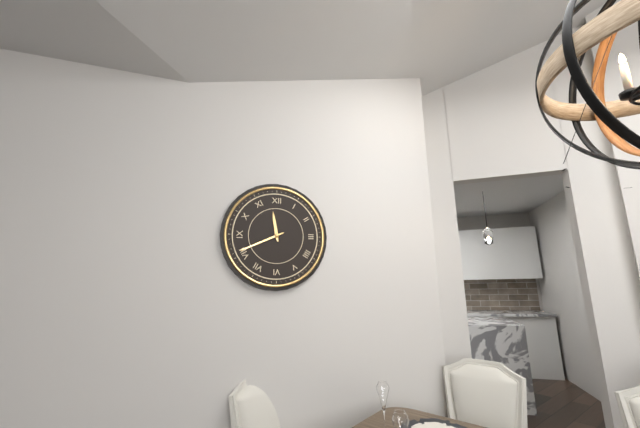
11h41
